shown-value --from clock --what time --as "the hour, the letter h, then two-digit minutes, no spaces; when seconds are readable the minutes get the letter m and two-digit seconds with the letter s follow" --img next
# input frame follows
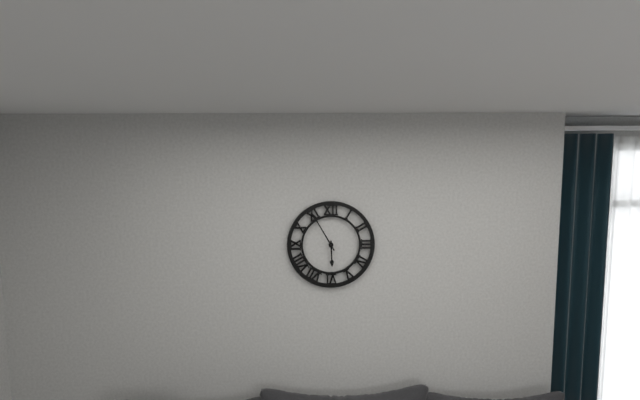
5h55
